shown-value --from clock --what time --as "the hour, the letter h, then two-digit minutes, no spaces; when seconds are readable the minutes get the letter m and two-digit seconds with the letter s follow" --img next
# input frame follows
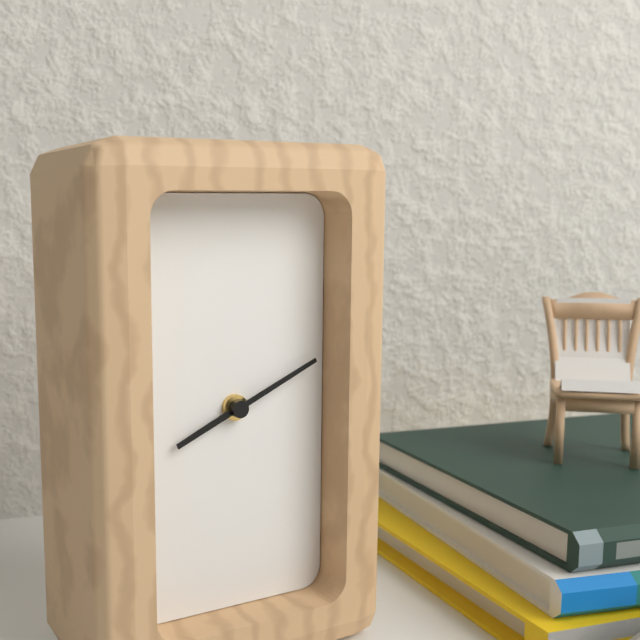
8h11
